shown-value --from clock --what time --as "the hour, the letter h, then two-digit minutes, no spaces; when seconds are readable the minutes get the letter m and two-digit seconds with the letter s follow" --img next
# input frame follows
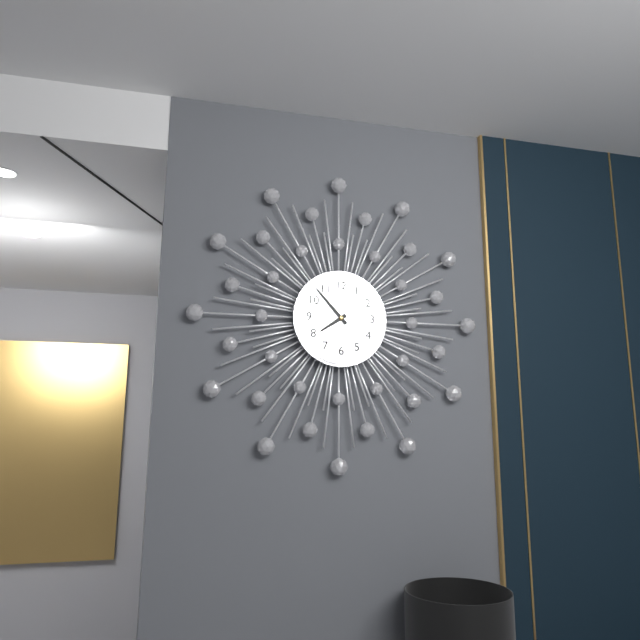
7h53
